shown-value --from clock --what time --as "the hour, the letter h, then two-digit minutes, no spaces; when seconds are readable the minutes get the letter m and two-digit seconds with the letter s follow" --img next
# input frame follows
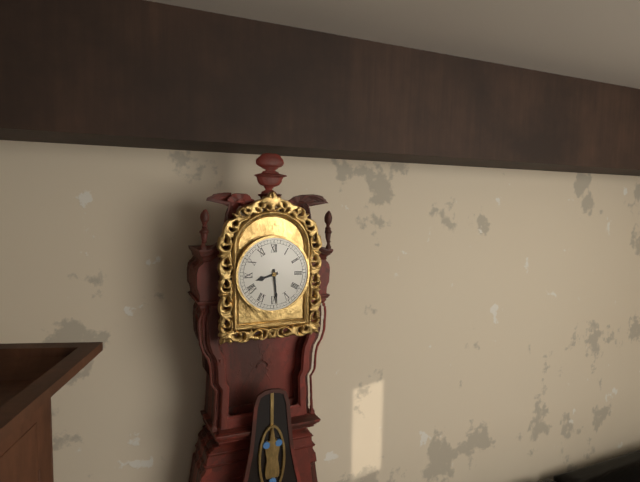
8h29
